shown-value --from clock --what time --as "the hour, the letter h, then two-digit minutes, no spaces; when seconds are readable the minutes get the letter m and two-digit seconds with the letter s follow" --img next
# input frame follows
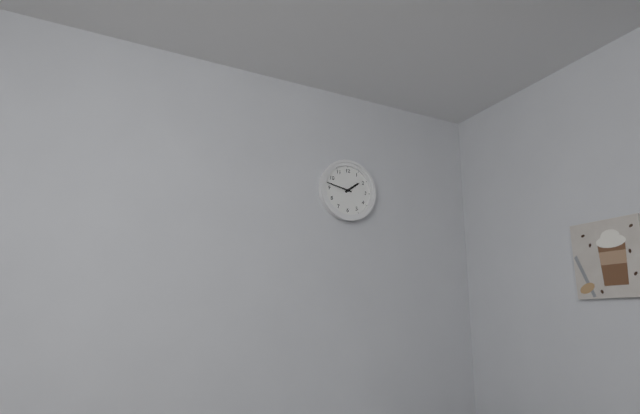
1h47
